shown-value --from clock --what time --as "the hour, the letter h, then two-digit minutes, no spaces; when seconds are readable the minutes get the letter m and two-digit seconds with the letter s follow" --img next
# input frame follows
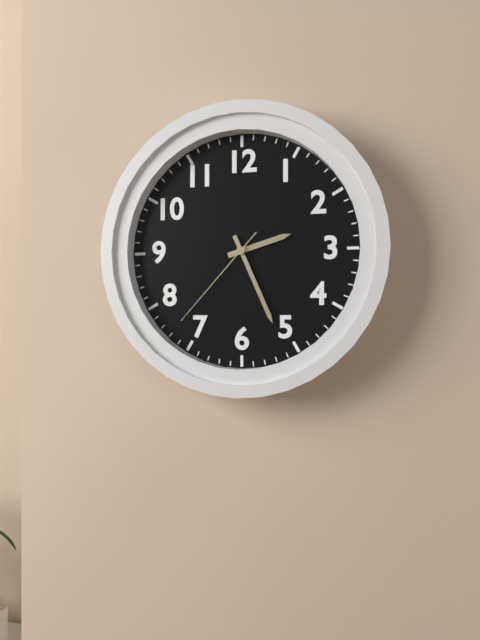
2h26m37s
